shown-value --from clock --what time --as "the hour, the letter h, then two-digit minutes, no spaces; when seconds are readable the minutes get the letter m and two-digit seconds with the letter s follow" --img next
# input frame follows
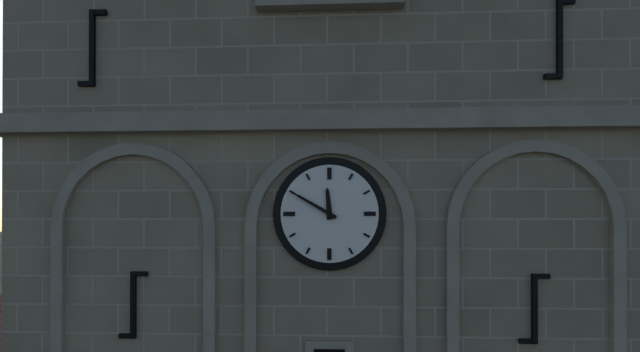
11h50
